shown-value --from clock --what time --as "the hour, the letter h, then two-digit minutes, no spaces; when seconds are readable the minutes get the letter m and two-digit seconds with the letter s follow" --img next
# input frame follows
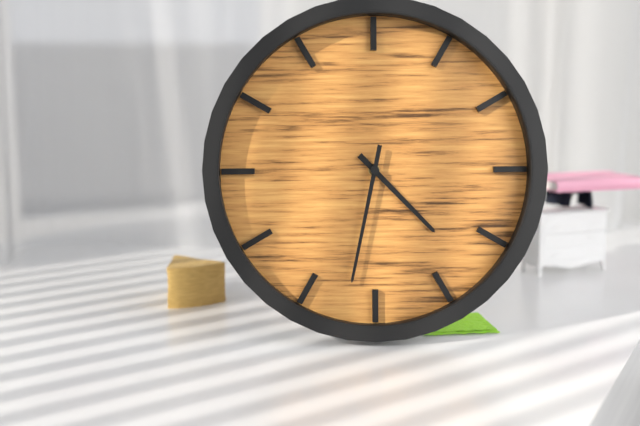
4h32
